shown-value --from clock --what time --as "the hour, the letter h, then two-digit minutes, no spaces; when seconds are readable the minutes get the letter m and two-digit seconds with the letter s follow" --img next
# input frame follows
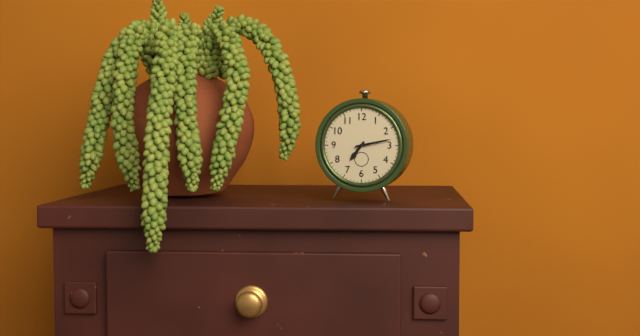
7h13
